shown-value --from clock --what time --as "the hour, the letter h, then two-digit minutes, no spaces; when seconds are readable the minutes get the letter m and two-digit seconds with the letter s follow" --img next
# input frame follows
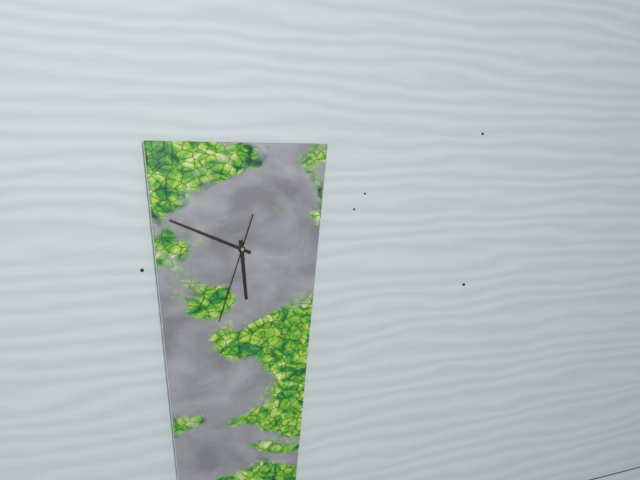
5h49m33s
